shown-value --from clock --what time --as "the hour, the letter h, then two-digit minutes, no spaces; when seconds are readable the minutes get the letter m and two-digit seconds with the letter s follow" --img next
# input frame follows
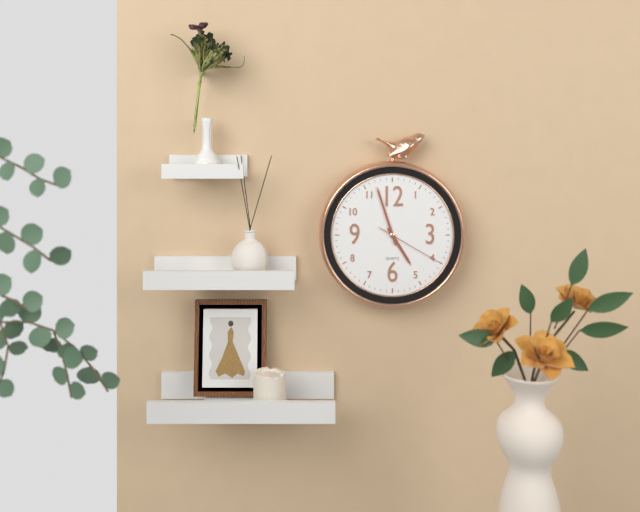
4h57m20s
